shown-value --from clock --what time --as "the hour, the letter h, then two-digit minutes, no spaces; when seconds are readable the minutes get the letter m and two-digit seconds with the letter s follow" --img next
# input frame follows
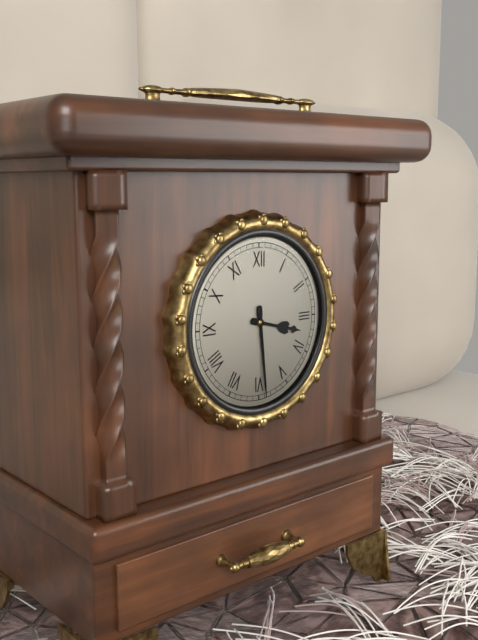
3h29
